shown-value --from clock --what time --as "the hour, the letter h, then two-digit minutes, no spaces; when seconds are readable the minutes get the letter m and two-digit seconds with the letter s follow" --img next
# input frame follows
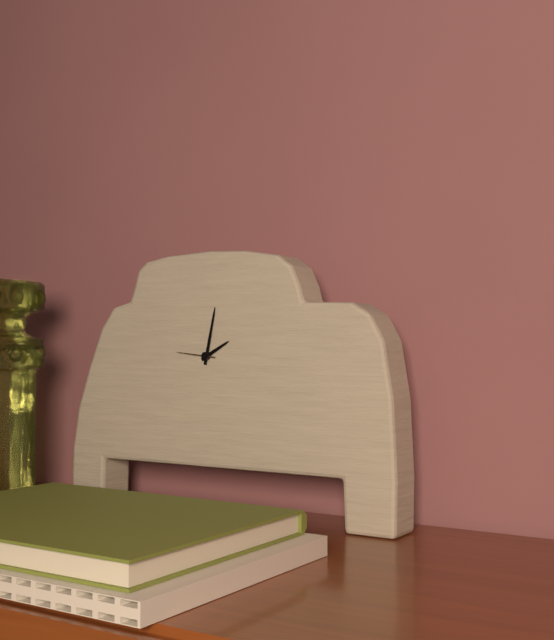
2h02
